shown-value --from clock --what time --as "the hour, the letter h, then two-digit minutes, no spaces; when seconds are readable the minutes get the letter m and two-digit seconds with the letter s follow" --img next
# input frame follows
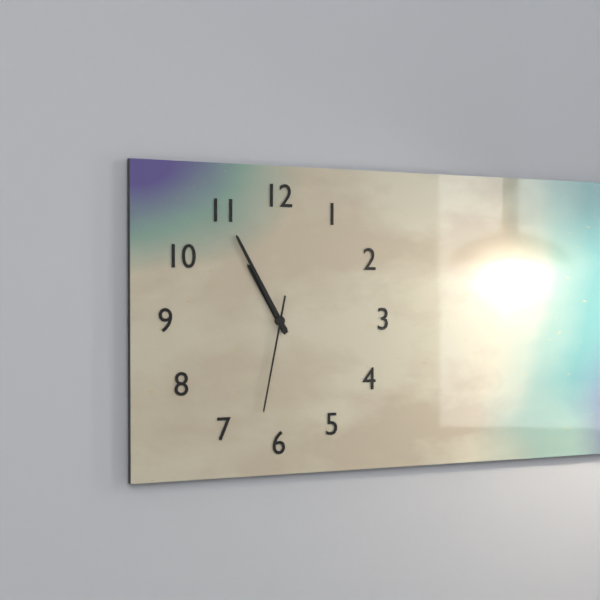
10h55m32s
